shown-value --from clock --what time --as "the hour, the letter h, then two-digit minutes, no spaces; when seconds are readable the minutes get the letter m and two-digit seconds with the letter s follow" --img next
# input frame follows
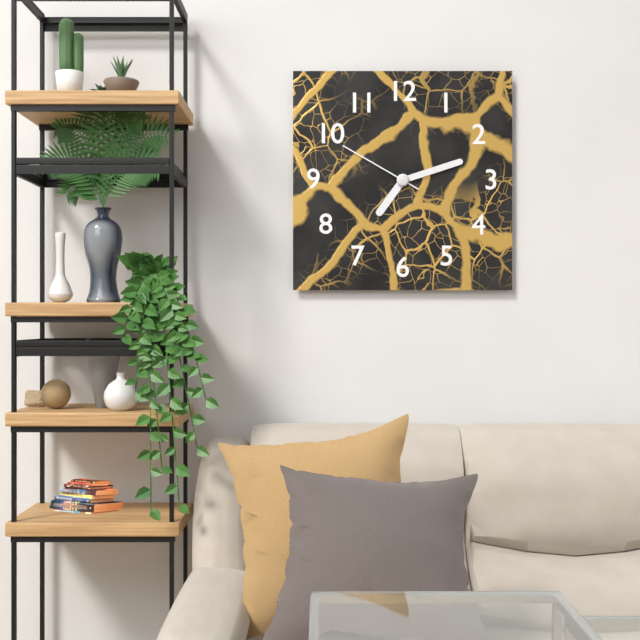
7h12m50s
